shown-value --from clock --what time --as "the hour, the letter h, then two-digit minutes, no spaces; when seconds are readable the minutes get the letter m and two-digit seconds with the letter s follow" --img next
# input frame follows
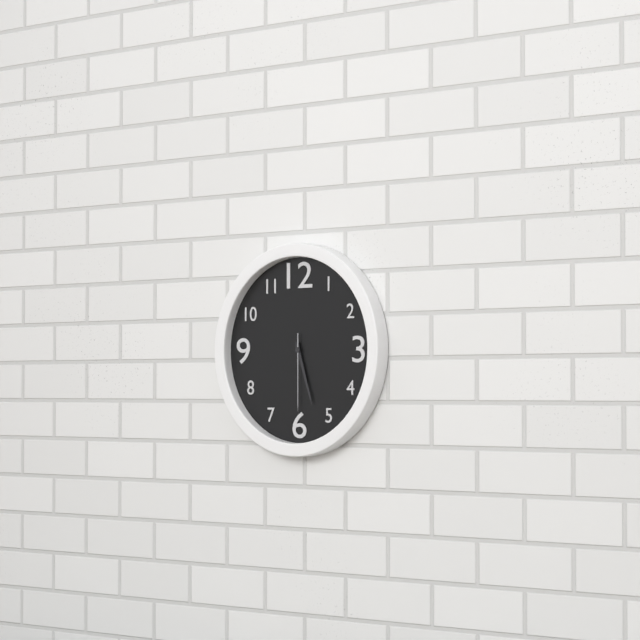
5h27m30s
